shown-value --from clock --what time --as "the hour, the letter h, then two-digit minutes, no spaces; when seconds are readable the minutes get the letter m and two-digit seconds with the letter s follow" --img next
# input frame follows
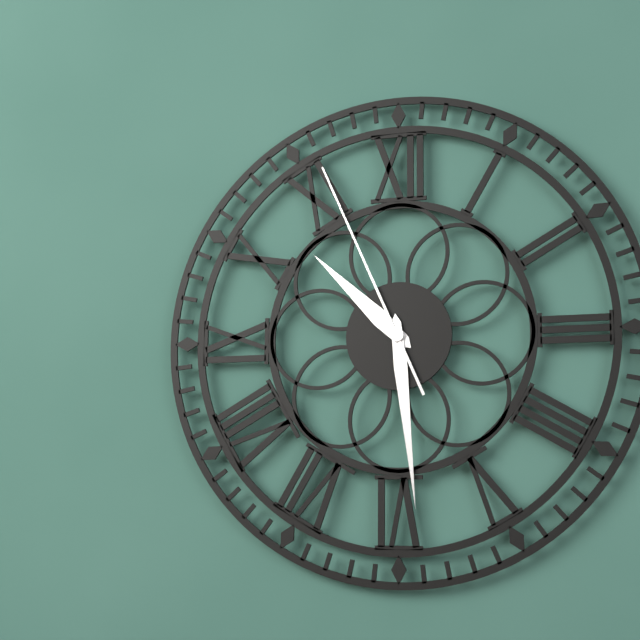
10h29m56s
